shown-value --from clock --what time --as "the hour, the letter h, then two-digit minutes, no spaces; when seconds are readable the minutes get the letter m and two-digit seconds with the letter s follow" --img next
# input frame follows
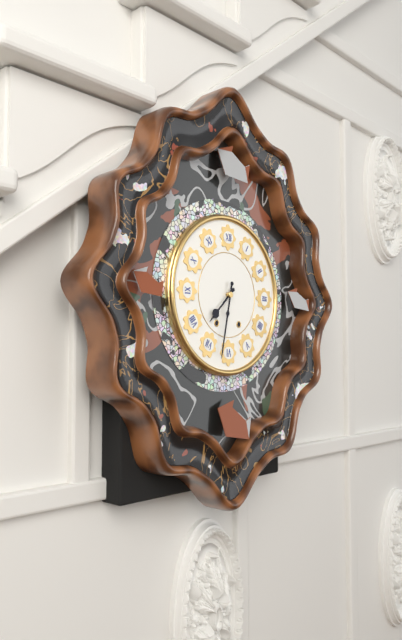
7h32
